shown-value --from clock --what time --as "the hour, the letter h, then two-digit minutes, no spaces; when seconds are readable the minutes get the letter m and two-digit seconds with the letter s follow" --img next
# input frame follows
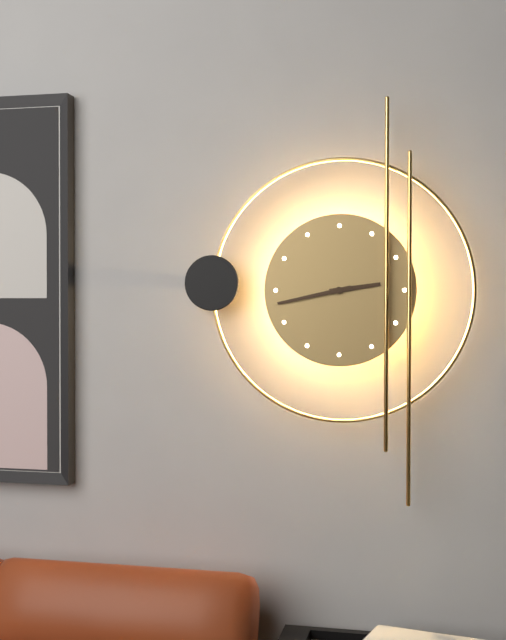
2h43
